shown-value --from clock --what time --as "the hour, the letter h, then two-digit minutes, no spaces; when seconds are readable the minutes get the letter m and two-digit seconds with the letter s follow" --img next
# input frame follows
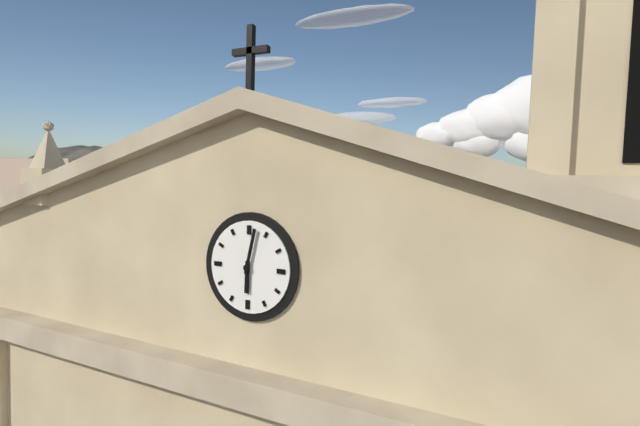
6h02
